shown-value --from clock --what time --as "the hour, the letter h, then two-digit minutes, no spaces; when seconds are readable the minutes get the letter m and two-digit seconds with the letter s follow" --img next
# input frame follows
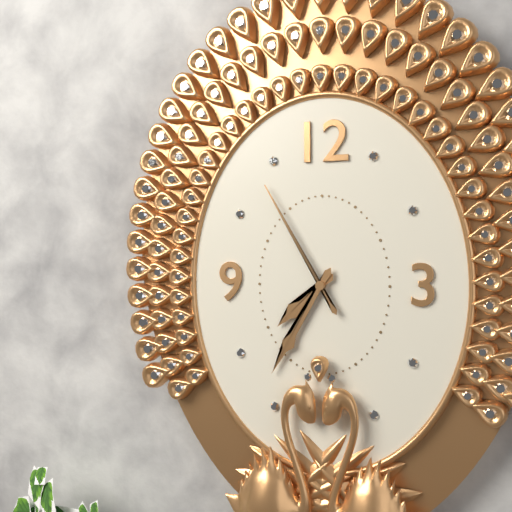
7h35m55s
